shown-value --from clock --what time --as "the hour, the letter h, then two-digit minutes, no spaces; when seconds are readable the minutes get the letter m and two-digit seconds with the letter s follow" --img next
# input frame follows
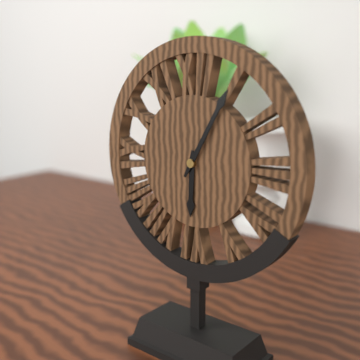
6h05
